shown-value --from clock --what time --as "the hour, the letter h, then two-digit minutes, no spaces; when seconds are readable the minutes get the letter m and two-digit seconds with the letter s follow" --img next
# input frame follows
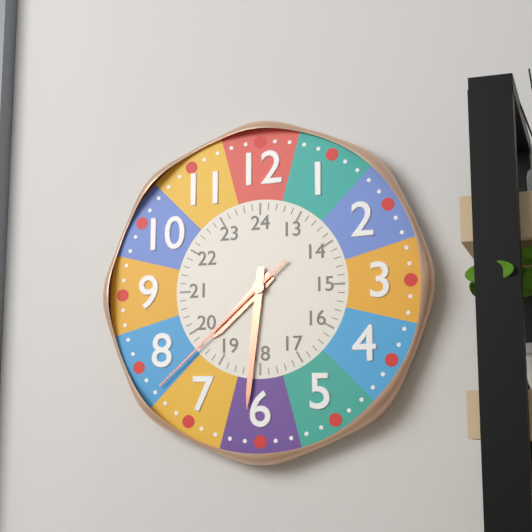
7h31m38s
